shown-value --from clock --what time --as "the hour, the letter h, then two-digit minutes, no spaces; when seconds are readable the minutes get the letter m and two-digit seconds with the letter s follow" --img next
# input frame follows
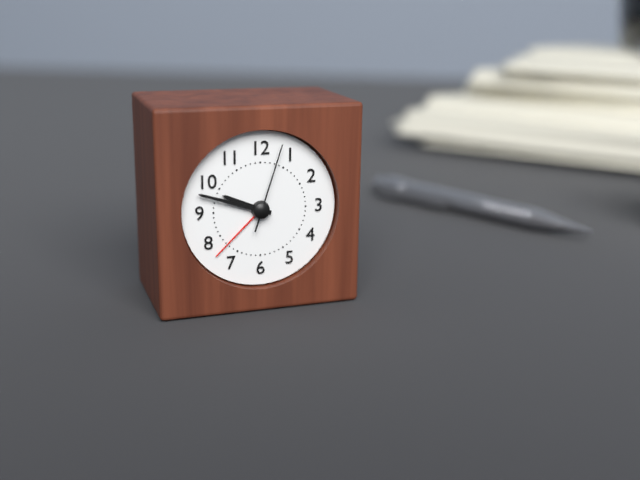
9h48m03s
